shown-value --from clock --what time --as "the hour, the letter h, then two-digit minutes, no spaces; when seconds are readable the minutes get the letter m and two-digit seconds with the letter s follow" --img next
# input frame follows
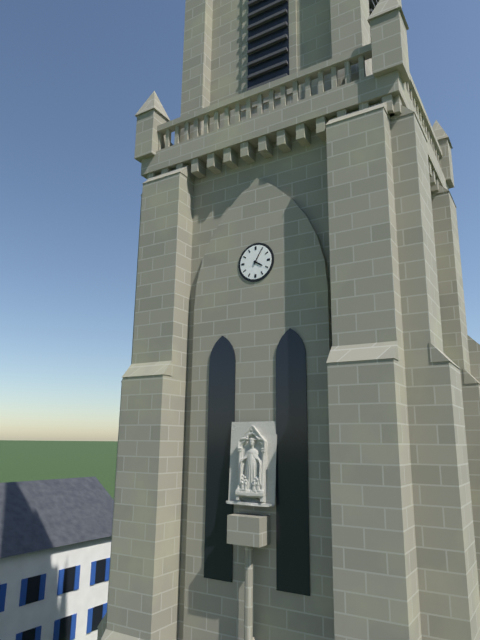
4h05
